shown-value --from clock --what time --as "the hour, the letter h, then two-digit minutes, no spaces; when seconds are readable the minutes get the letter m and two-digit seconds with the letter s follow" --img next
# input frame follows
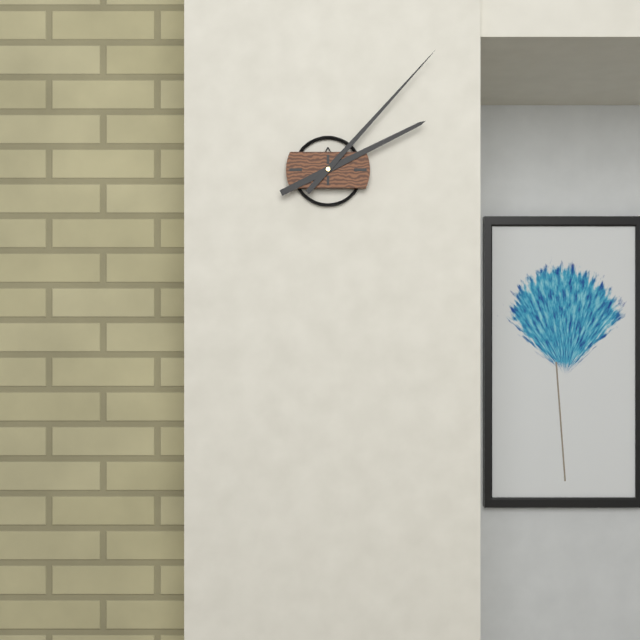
2h07
